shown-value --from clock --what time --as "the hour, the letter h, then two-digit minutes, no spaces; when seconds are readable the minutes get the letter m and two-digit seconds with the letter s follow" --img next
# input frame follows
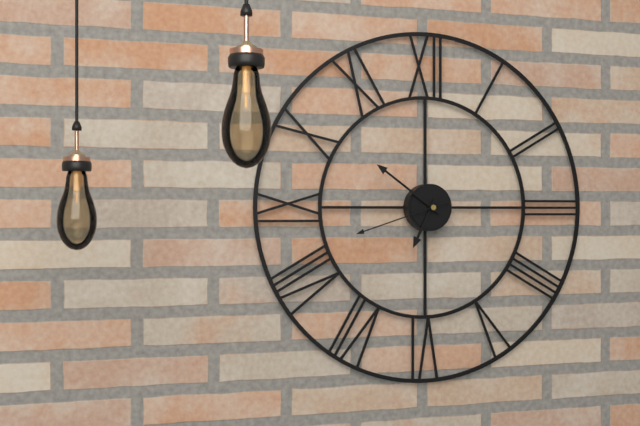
6h51m42s
